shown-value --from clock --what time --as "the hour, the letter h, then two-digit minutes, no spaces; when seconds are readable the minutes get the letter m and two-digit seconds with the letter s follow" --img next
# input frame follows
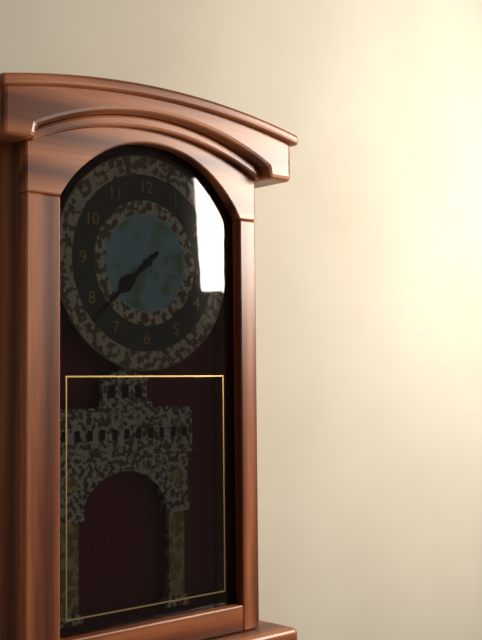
7h38
